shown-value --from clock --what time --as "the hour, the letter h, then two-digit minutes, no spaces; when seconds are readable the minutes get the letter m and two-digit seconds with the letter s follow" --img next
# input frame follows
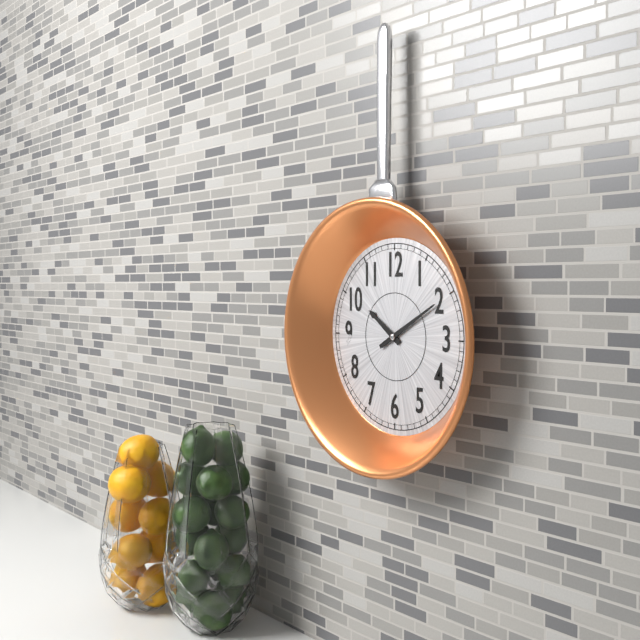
10h10
